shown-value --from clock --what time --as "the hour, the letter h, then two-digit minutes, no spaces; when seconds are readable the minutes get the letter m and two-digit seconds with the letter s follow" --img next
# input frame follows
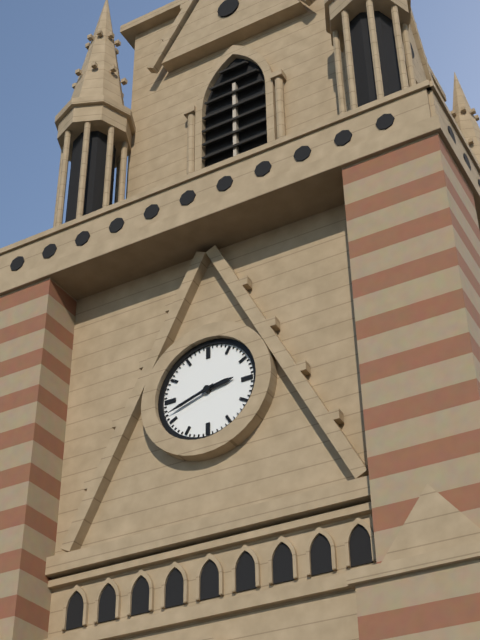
2h42
